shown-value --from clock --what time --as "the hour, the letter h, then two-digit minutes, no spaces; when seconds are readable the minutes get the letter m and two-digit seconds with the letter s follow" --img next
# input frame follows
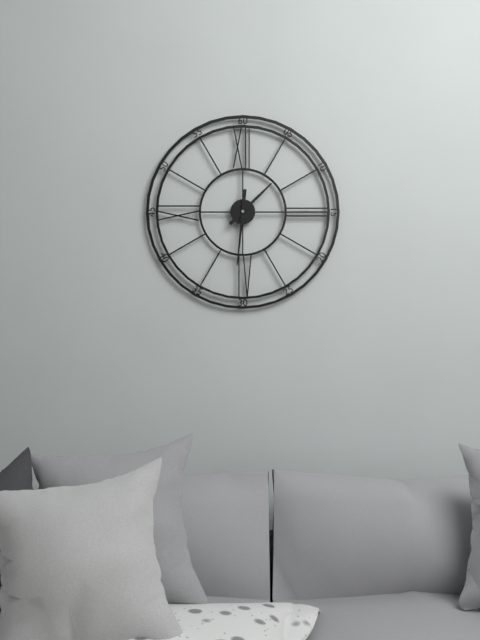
1h31
